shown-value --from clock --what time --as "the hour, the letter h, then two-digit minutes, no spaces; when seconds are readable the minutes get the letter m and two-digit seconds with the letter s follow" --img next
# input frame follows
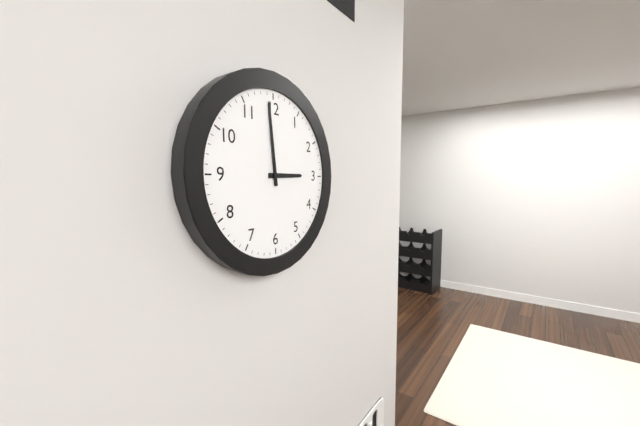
2h59
